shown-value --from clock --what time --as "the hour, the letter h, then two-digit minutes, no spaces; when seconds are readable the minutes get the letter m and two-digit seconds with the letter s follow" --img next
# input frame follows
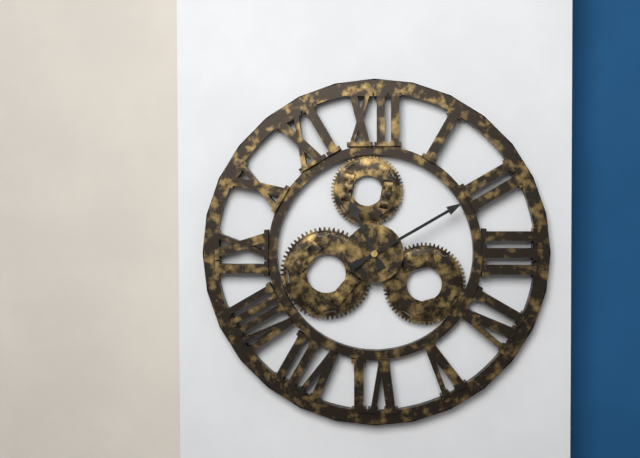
11h10
